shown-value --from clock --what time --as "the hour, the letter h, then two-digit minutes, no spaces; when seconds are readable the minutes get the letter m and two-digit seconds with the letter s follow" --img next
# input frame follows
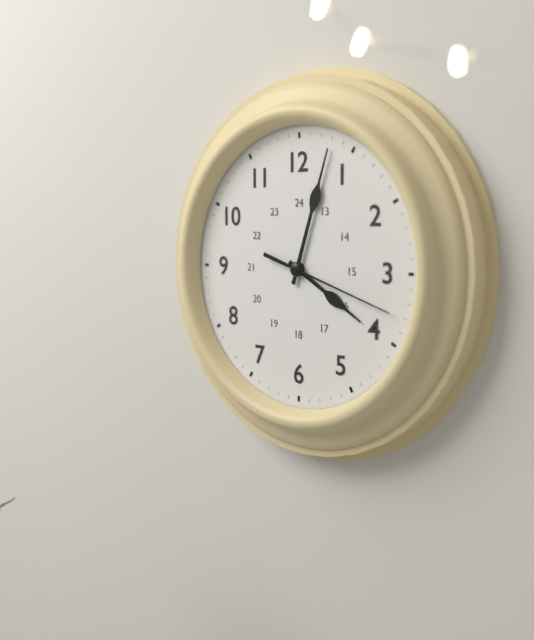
4h03m18s
